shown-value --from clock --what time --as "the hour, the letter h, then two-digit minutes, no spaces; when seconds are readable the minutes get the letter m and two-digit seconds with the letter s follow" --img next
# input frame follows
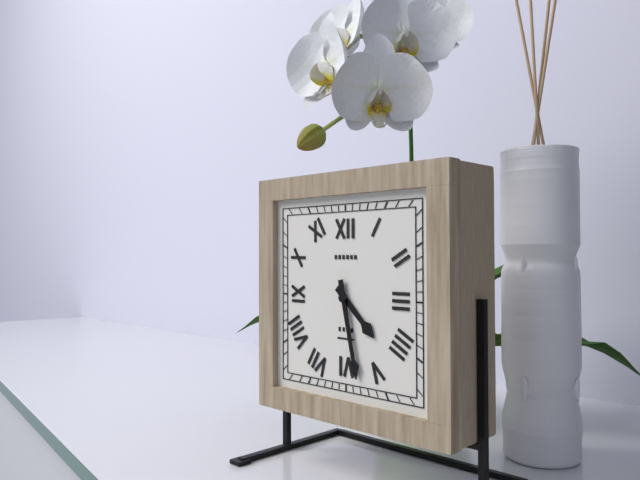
4h28
